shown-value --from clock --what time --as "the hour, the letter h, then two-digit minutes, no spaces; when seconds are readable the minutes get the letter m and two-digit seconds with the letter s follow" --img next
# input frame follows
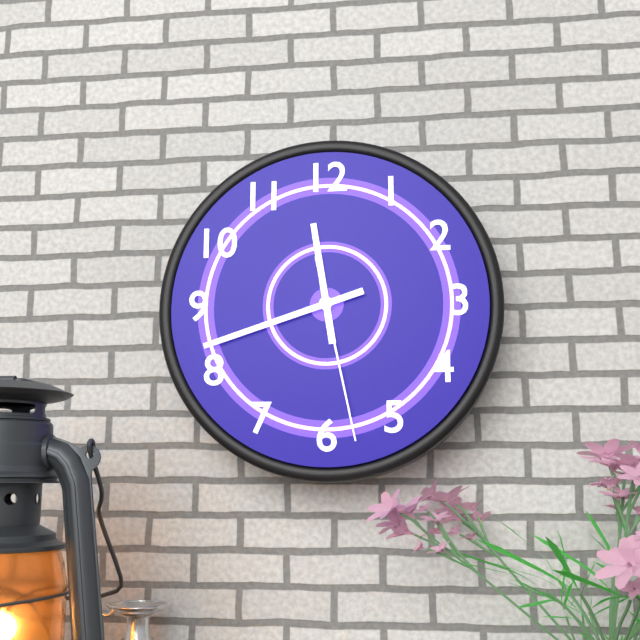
11h42m28s
